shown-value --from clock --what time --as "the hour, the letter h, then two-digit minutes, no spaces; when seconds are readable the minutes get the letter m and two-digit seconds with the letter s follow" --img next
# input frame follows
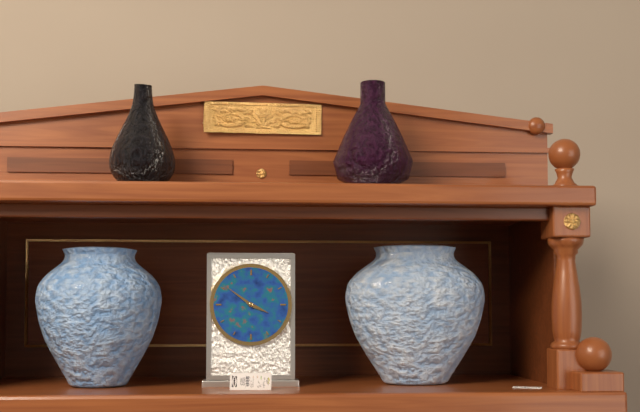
3h51
